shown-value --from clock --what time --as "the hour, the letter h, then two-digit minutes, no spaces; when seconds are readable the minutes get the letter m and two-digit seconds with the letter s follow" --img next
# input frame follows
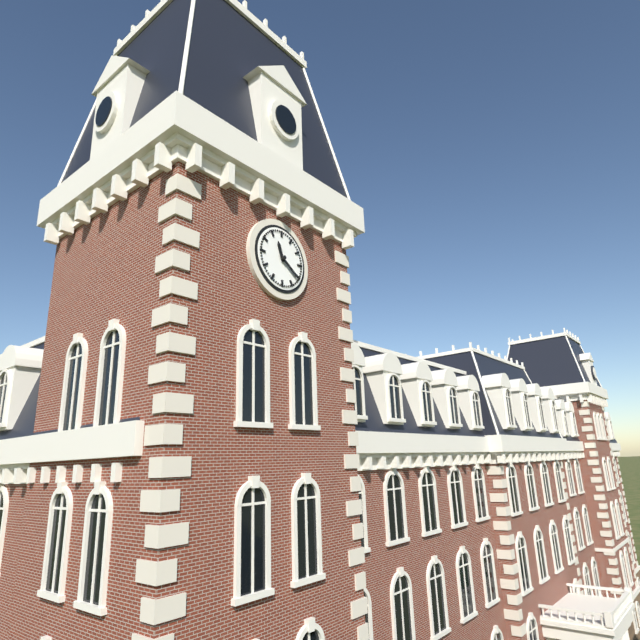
11h21
